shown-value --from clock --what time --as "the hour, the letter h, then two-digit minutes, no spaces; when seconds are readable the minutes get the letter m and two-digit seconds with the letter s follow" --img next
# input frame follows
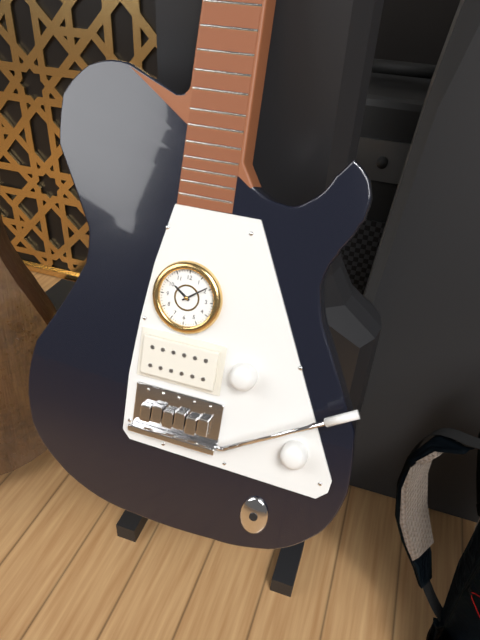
10h09
